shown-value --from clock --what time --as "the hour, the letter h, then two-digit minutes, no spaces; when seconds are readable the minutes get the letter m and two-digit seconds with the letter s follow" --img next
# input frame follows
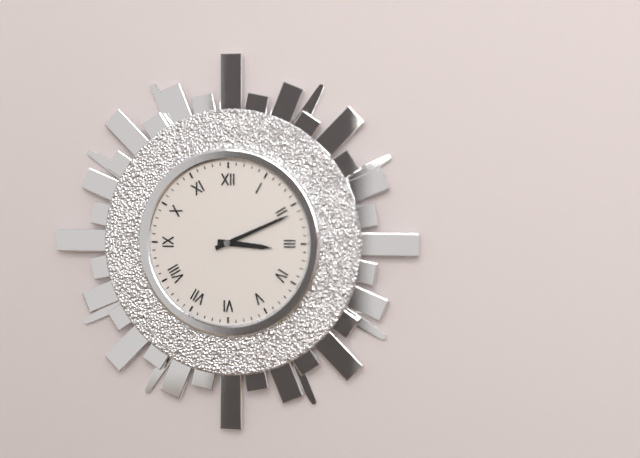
3h11
